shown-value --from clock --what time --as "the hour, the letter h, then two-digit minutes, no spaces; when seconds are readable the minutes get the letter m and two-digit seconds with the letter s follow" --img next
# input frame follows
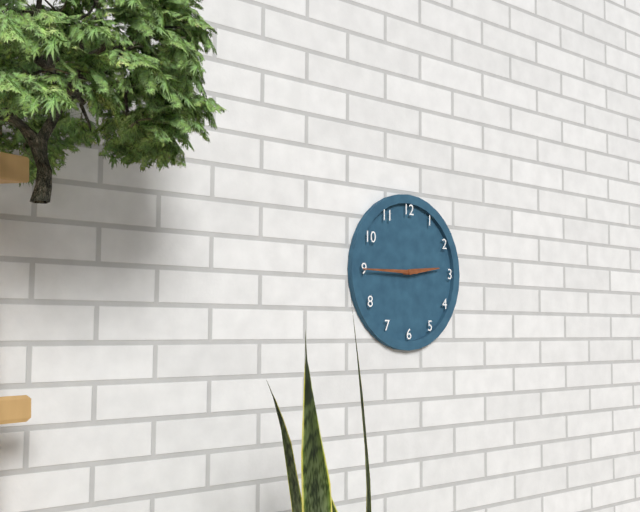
2h45
